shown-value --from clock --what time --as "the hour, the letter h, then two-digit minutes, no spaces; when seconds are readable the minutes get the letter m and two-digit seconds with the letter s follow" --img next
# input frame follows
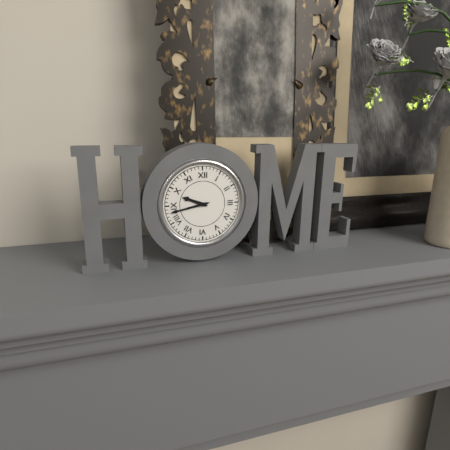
9h43
